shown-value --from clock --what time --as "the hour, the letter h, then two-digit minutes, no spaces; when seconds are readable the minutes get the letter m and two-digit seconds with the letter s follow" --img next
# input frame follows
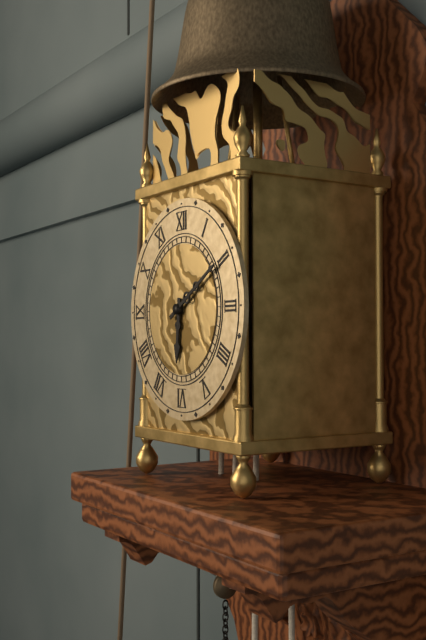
6h10
